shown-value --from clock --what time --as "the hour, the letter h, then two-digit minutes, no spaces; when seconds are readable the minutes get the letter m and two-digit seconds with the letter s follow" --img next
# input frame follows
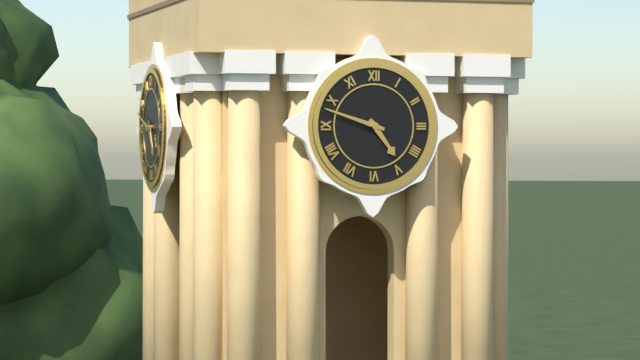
4h48
